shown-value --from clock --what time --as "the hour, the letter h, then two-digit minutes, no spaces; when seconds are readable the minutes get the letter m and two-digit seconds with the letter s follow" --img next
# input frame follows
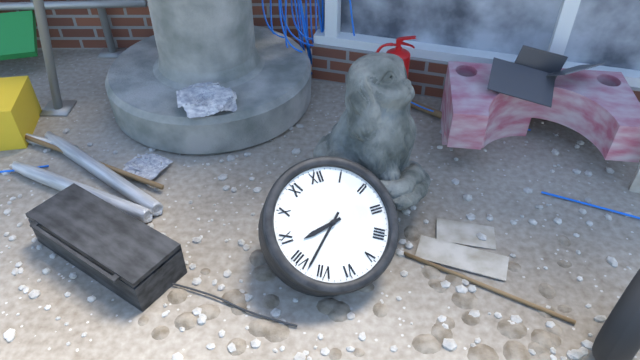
8h38
